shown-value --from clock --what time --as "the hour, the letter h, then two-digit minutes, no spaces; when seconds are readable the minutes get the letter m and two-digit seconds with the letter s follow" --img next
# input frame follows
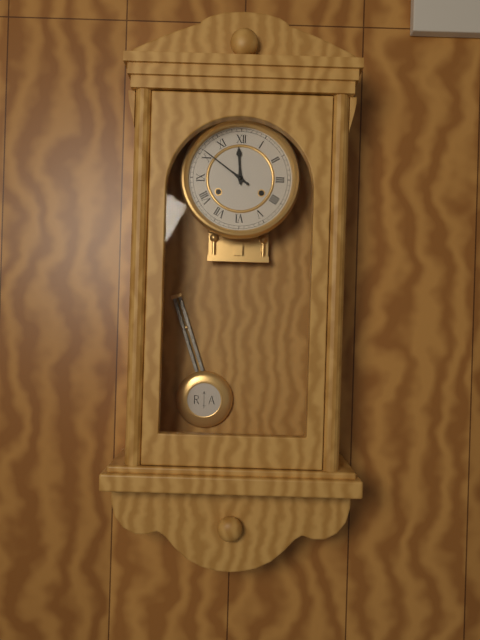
11h51
